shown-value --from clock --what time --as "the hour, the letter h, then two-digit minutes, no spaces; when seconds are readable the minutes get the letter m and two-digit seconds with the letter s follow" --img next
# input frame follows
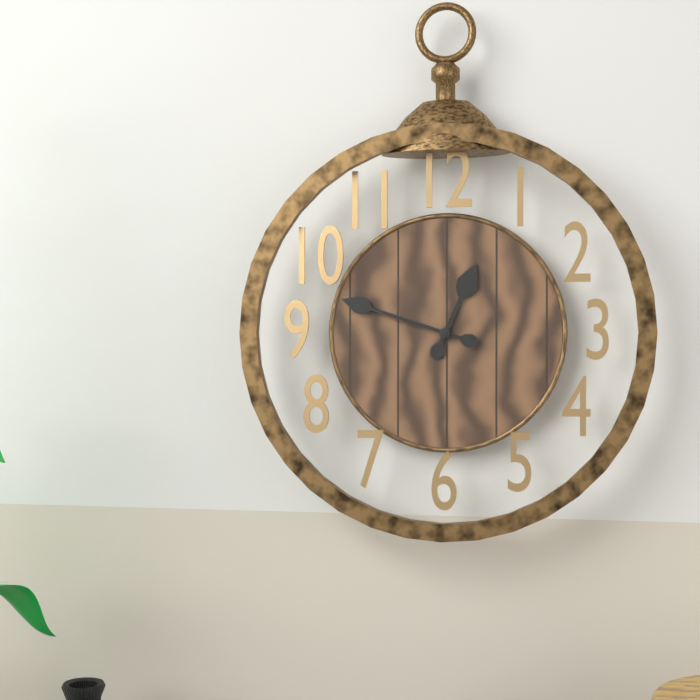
12h48
